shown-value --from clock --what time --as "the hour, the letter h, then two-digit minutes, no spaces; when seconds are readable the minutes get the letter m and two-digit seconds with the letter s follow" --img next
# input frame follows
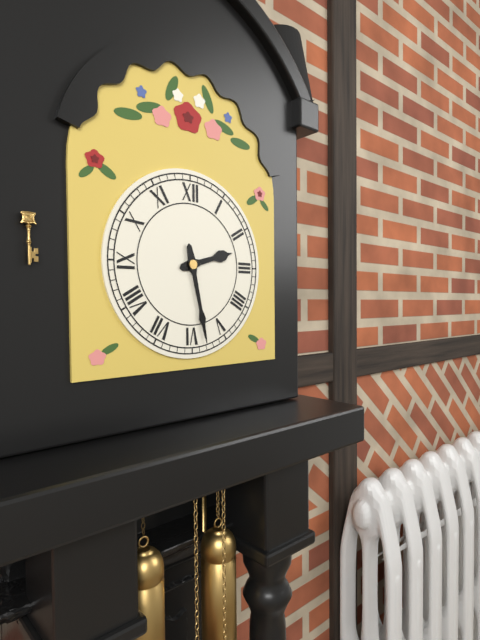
2h28
